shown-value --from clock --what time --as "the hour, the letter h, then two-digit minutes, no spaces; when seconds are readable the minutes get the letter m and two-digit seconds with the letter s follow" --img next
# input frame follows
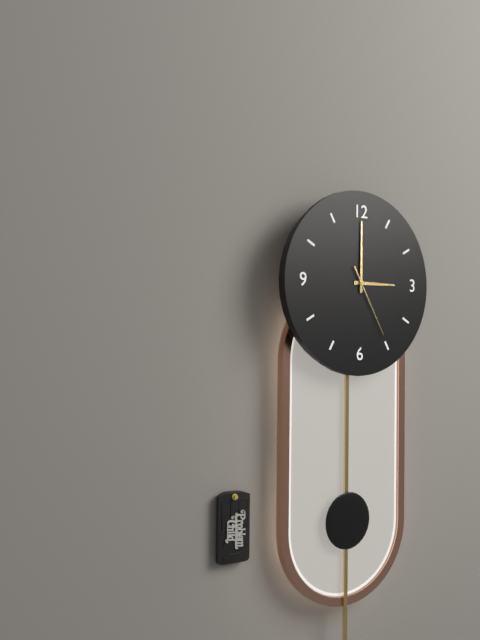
3h00m25s
